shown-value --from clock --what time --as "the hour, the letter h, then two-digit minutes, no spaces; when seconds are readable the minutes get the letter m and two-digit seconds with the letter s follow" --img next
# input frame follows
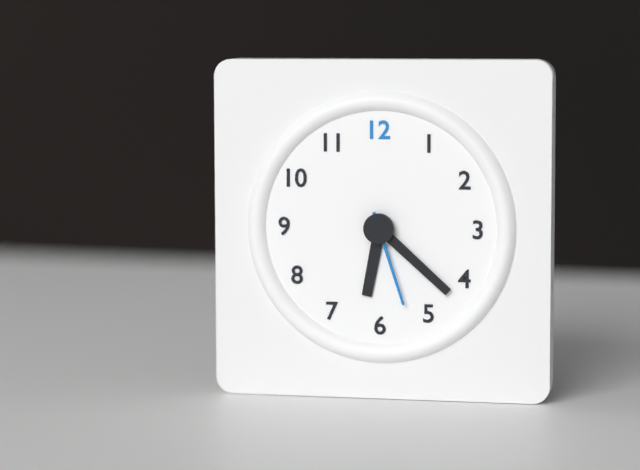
6h22m27s
